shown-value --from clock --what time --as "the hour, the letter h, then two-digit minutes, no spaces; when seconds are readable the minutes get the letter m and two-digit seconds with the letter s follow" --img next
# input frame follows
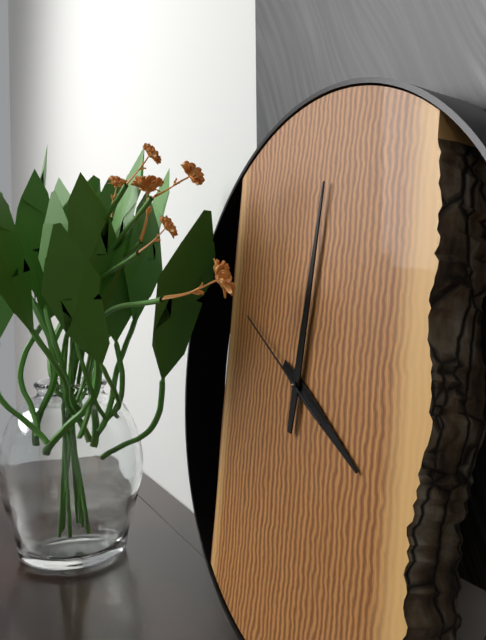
4h01m50s
